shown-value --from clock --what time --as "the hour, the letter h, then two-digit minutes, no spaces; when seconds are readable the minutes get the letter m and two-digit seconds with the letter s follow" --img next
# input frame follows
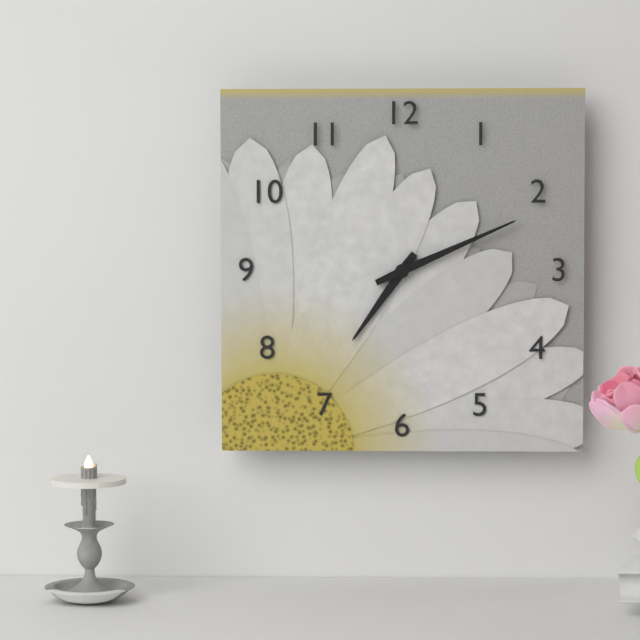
7h11
